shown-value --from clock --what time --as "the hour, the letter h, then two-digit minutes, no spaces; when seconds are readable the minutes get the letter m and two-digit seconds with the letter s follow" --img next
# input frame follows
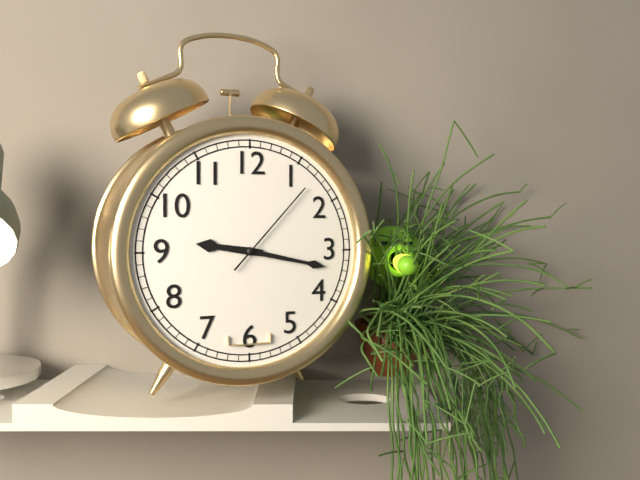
9h17m07s
